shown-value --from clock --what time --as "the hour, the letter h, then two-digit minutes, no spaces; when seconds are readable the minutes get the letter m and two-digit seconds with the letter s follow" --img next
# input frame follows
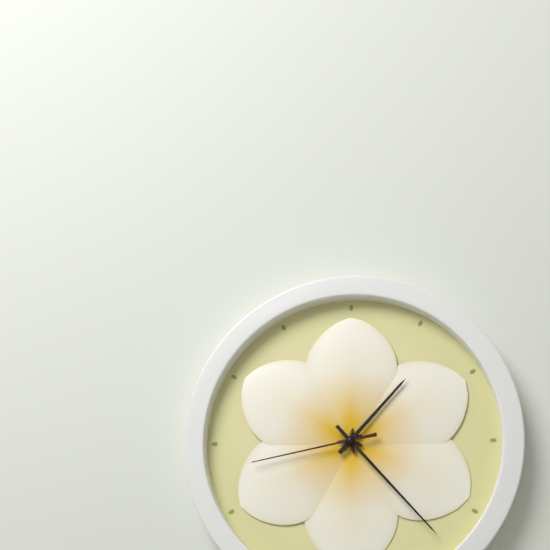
1h23m43s
